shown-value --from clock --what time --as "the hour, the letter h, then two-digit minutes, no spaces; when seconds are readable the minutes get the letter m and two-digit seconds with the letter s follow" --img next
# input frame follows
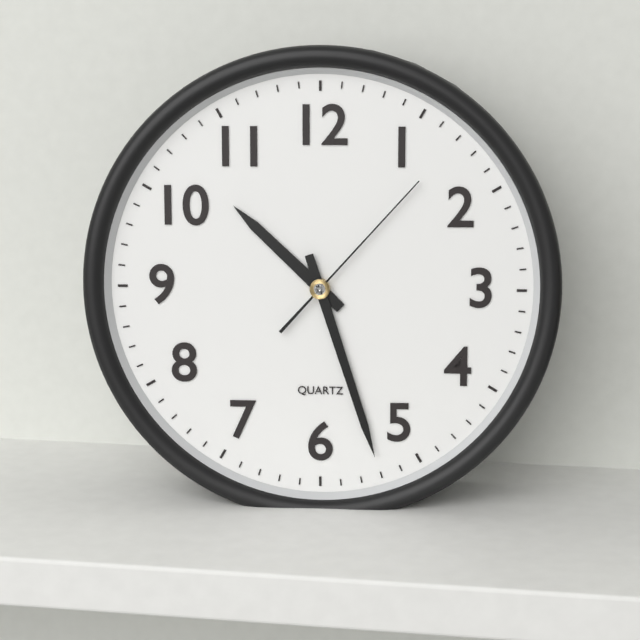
10h27m07s
